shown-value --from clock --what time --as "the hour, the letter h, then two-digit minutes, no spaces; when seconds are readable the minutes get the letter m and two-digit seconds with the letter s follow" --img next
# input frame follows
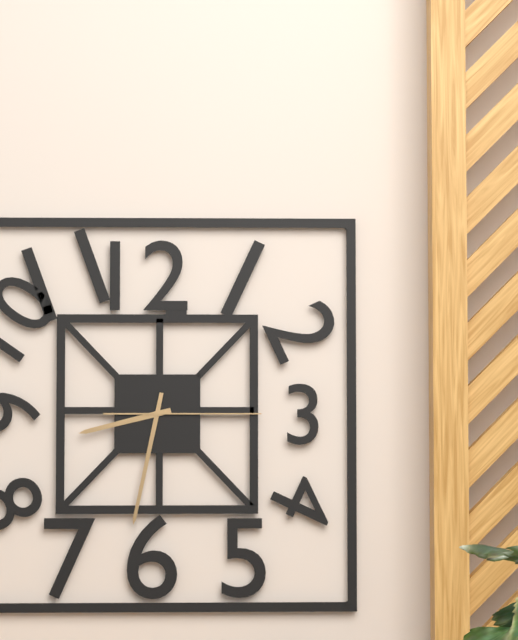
8h32m15s
